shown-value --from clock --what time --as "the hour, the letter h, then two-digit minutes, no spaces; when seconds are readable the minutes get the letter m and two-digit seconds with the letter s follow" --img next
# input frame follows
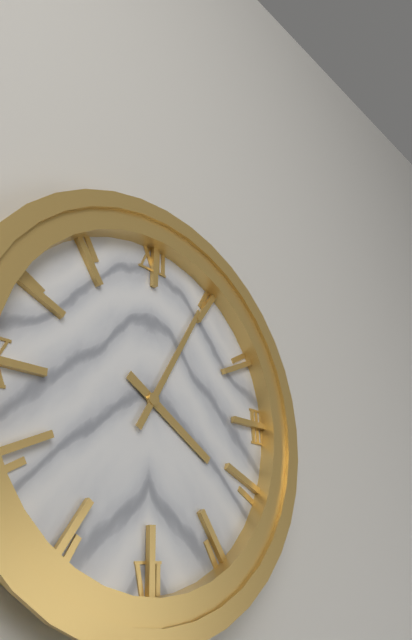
4h05
